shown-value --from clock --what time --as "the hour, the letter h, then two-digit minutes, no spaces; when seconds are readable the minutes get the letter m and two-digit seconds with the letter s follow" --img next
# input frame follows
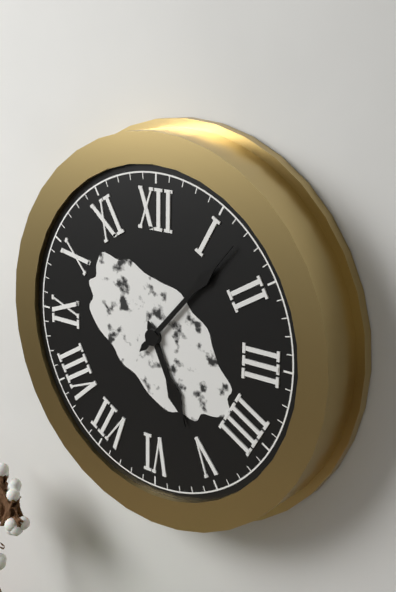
5h07
